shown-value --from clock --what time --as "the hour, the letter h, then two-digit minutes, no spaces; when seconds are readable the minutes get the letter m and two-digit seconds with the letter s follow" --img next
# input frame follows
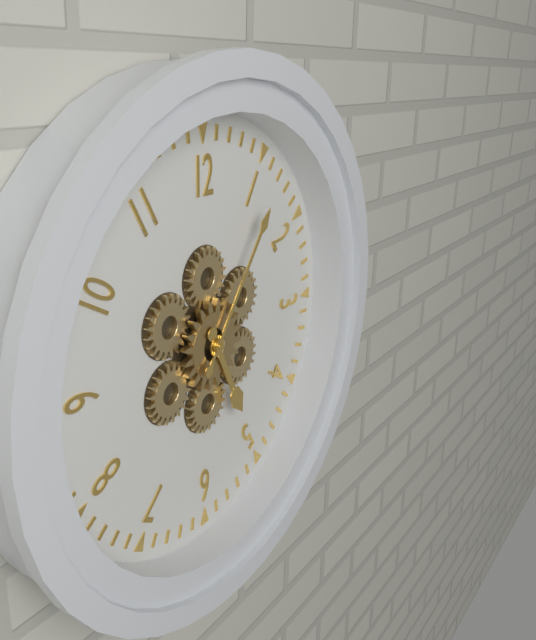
5h06
